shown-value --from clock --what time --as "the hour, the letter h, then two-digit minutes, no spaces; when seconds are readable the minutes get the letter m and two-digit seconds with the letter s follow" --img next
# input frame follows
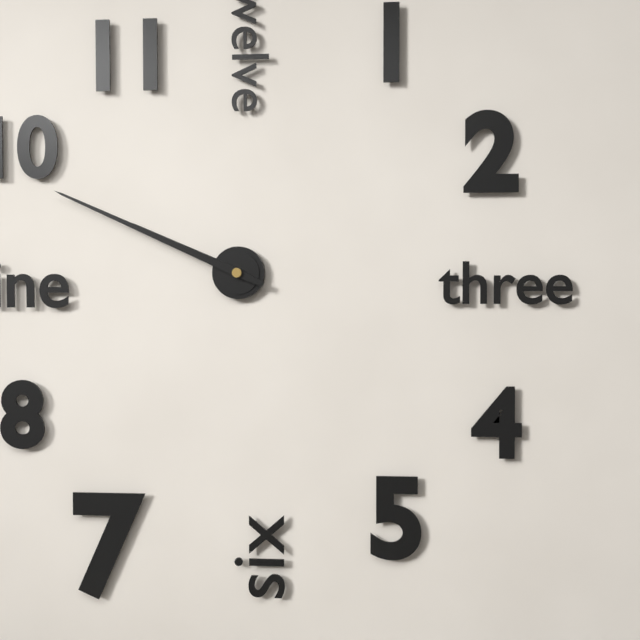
9h49
